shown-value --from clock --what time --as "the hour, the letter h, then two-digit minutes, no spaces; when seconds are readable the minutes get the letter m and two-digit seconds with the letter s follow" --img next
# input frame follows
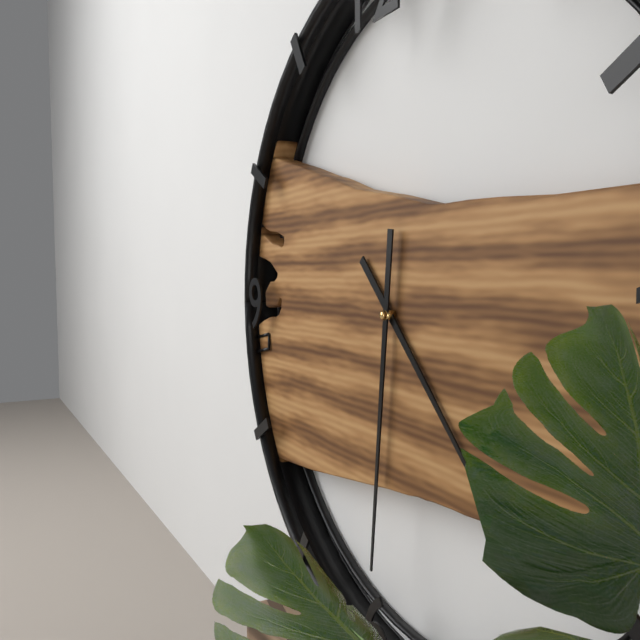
4h31
